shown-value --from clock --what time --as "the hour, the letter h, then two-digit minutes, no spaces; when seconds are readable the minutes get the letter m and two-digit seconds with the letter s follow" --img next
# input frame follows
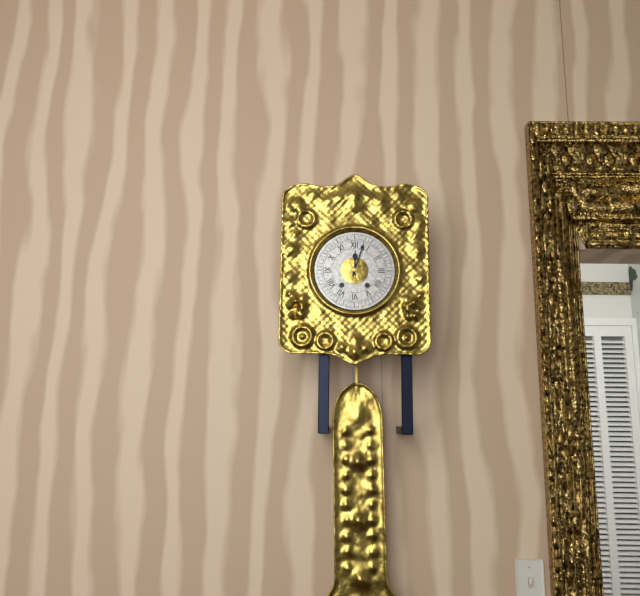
12h03
